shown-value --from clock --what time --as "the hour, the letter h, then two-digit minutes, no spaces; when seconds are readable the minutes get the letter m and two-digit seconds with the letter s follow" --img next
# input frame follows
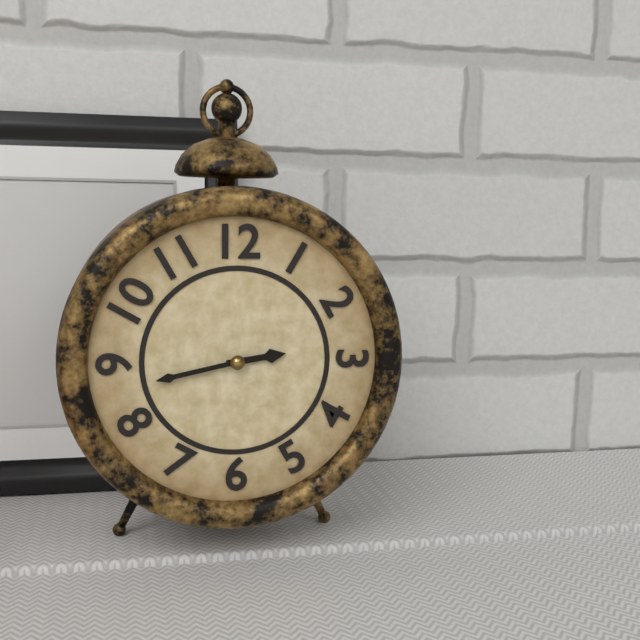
2h43
